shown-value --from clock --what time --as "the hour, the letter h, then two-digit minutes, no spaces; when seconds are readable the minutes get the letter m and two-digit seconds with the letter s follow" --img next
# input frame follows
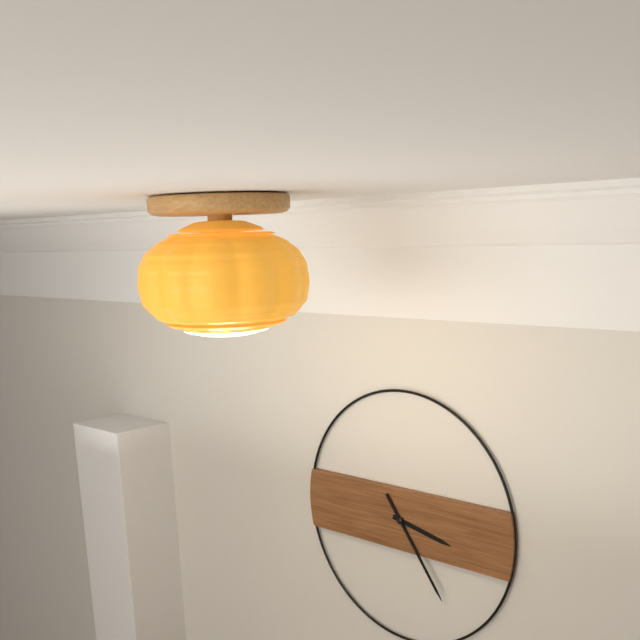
3h24
